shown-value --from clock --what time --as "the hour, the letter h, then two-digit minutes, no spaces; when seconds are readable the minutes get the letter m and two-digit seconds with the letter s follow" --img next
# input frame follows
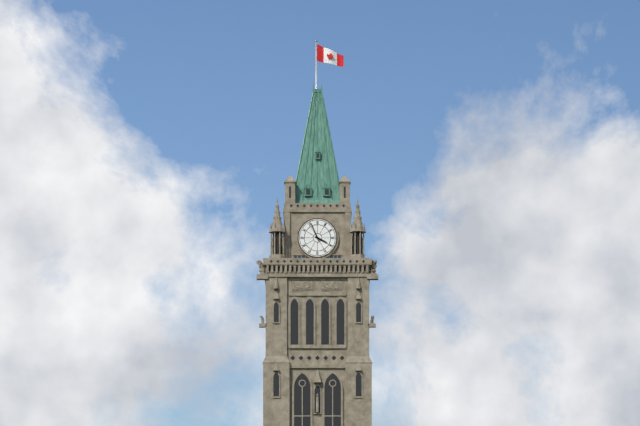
3h56
